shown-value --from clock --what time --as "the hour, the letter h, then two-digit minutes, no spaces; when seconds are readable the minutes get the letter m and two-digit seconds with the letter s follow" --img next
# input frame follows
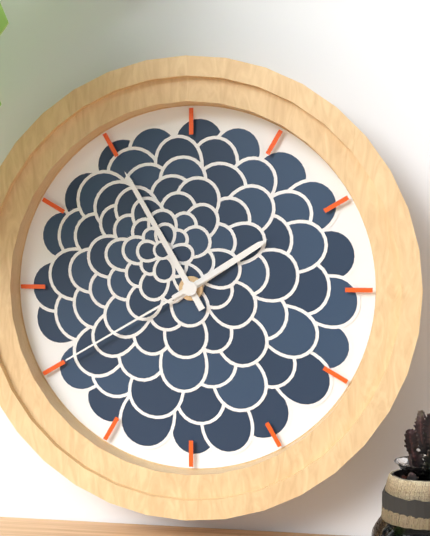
1h55m40s
